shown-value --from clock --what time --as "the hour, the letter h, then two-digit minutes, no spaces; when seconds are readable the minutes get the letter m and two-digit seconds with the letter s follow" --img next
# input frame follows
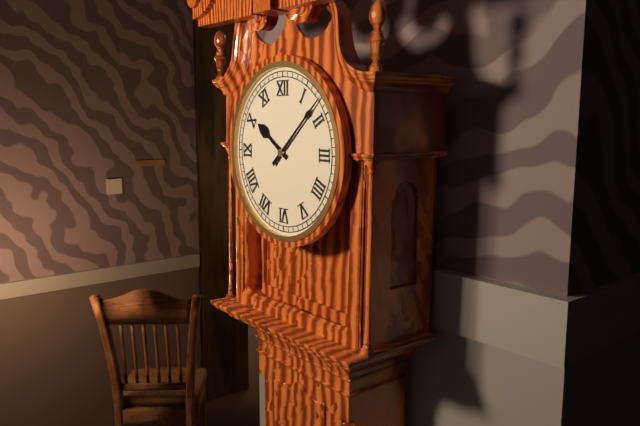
10h08
